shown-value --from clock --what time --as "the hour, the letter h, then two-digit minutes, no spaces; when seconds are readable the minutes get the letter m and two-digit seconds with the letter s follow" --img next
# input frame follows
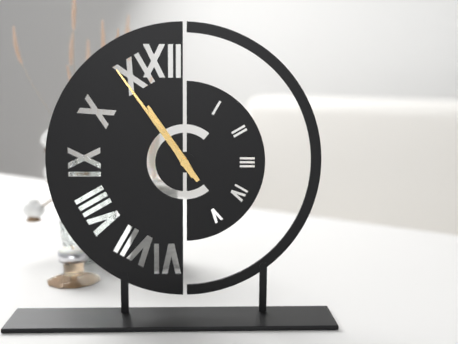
10h54
